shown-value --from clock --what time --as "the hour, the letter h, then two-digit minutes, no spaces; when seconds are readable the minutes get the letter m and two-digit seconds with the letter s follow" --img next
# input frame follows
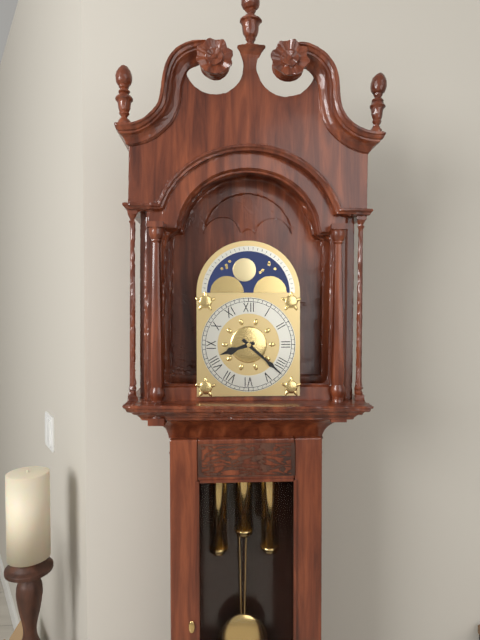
8h22
